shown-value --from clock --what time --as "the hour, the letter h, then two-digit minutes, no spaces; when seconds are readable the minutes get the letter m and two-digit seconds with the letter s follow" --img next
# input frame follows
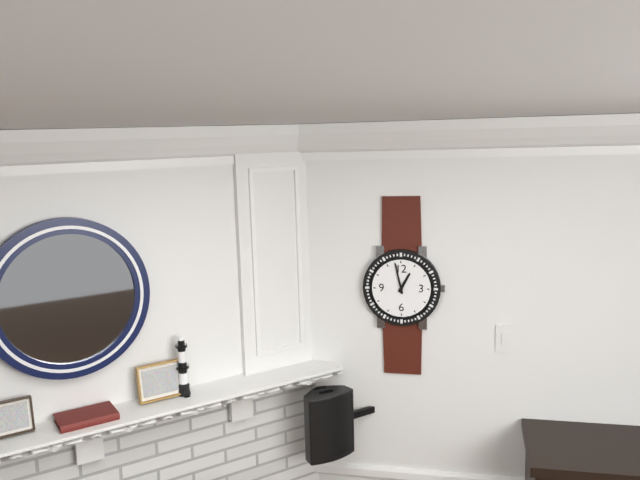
12h58
